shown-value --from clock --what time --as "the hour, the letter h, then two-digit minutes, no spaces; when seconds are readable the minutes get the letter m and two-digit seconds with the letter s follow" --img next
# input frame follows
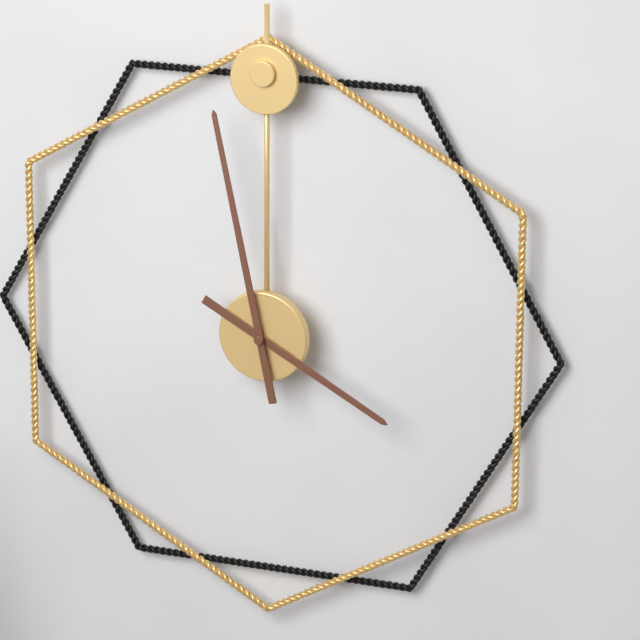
3h58
